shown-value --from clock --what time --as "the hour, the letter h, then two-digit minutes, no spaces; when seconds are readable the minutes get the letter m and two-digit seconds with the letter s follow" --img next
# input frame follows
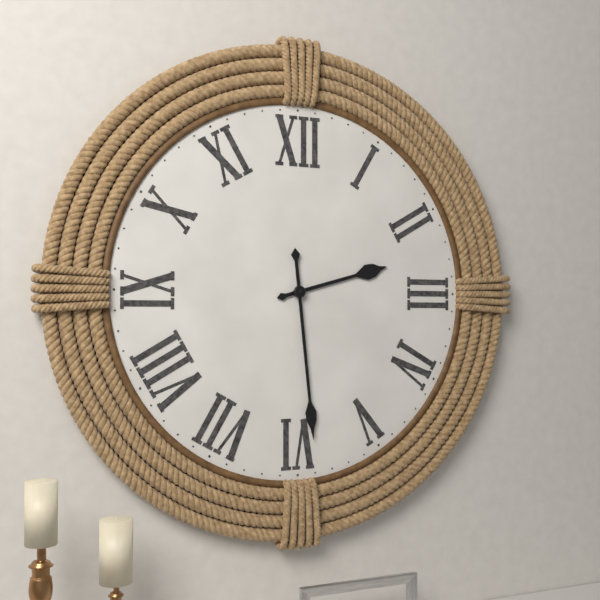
2h29
